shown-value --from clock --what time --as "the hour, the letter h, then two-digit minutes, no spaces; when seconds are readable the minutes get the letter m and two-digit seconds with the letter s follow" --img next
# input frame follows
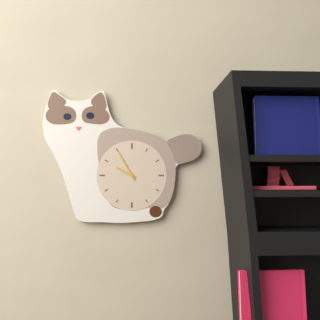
9h55
